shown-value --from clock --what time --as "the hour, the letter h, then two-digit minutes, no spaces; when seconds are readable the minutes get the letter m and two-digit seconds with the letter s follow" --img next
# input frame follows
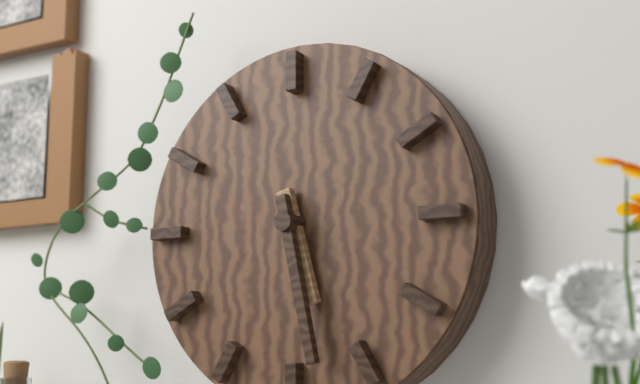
5h28
